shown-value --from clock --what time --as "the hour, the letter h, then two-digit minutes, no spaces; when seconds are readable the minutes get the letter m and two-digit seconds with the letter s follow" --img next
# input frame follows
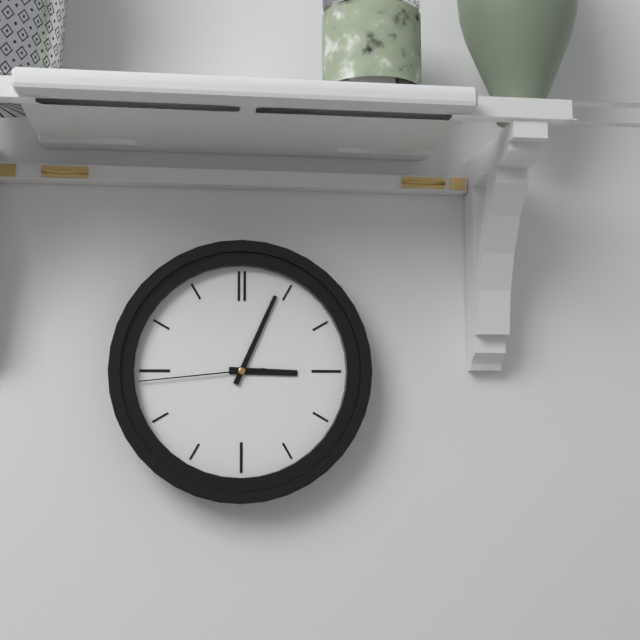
3h04m44s
